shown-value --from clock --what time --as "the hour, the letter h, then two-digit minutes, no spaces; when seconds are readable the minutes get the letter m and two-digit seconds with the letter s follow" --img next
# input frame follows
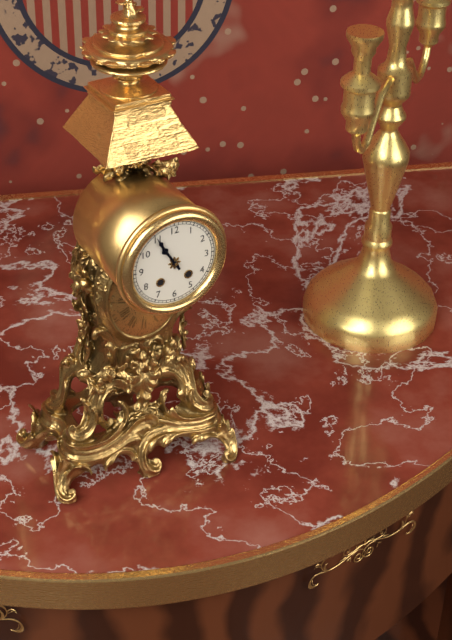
10h55
